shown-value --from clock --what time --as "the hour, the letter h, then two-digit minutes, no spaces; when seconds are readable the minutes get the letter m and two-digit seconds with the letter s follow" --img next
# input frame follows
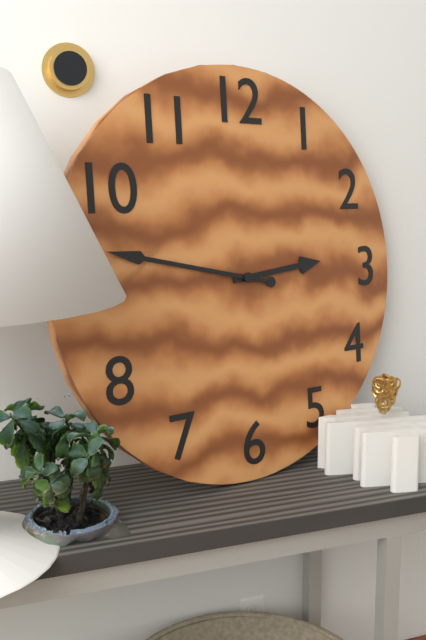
2h47
